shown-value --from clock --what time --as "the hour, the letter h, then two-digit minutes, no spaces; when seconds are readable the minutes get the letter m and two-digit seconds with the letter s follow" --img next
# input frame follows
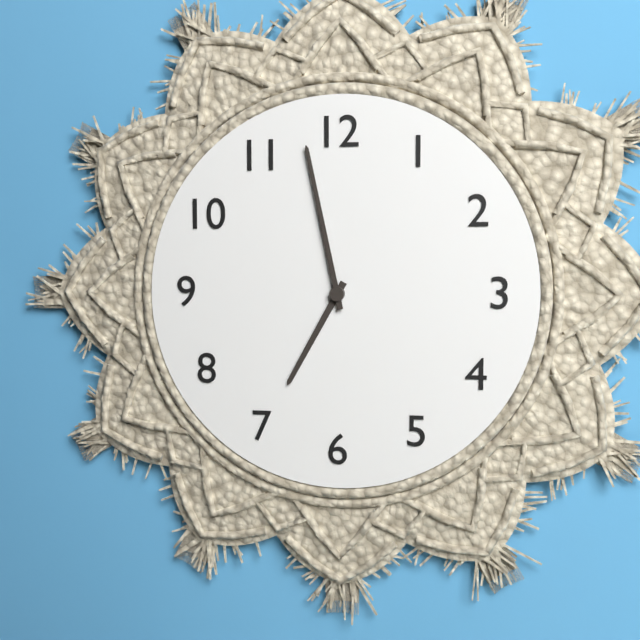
6h58
